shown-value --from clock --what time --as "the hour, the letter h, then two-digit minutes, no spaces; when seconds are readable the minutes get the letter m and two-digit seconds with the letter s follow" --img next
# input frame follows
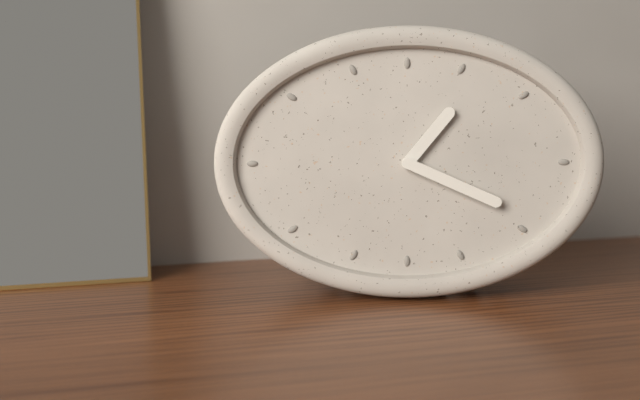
1h19
